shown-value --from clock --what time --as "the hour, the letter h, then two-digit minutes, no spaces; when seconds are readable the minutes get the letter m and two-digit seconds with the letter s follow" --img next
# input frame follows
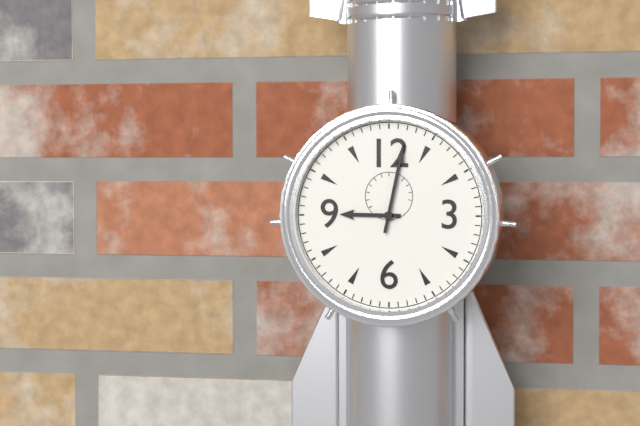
9h02
